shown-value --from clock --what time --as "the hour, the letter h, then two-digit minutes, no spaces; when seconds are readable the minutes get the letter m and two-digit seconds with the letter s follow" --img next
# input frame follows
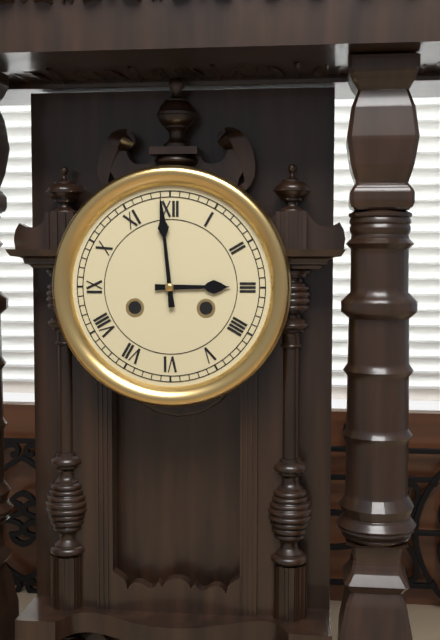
2h59
